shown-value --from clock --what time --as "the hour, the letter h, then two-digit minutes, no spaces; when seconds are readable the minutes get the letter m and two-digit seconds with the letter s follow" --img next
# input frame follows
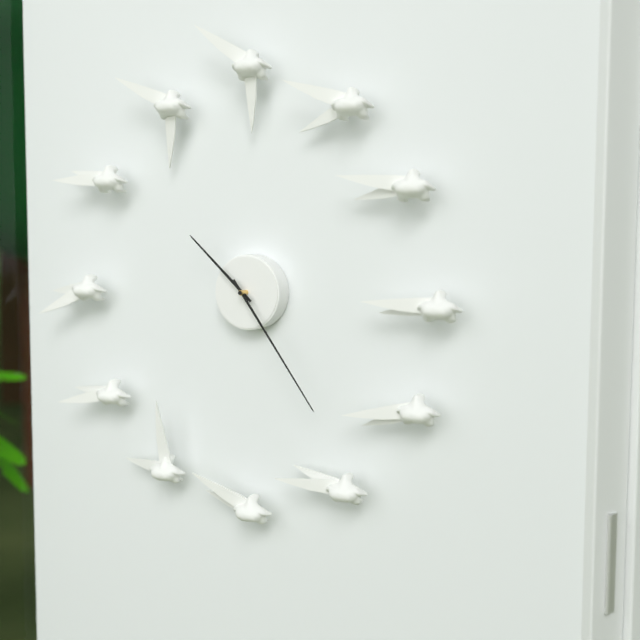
10h24
